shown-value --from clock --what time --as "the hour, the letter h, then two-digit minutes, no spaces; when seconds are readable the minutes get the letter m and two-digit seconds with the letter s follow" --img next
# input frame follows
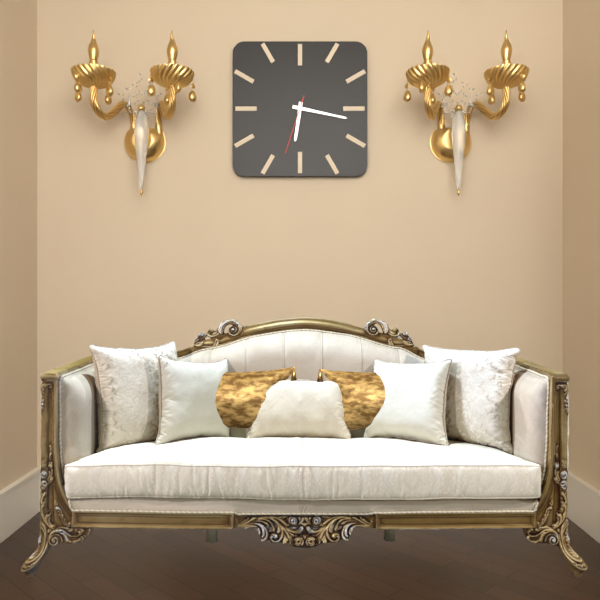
6h17m33s
